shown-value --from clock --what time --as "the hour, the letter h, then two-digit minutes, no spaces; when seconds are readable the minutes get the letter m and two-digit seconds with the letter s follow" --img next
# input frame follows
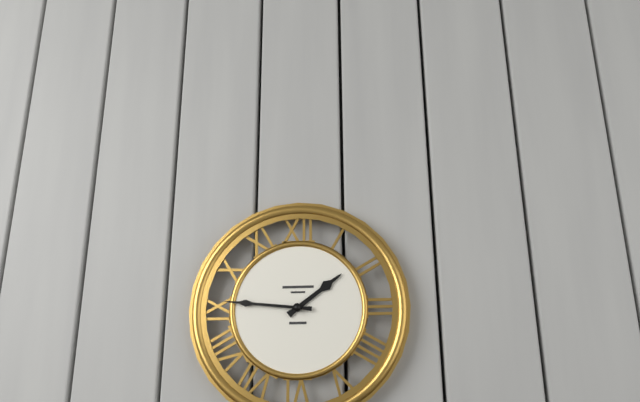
1h46
